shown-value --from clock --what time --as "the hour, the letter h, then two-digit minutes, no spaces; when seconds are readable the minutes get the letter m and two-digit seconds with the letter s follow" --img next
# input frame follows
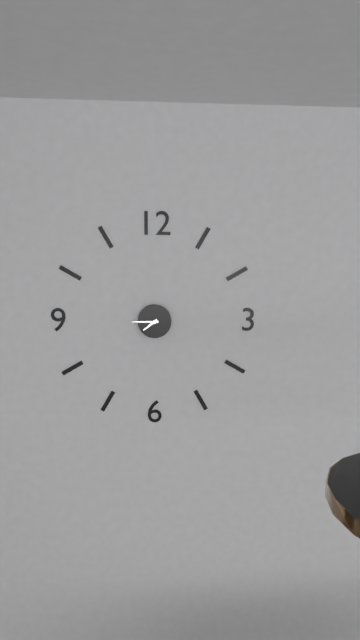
7h45
